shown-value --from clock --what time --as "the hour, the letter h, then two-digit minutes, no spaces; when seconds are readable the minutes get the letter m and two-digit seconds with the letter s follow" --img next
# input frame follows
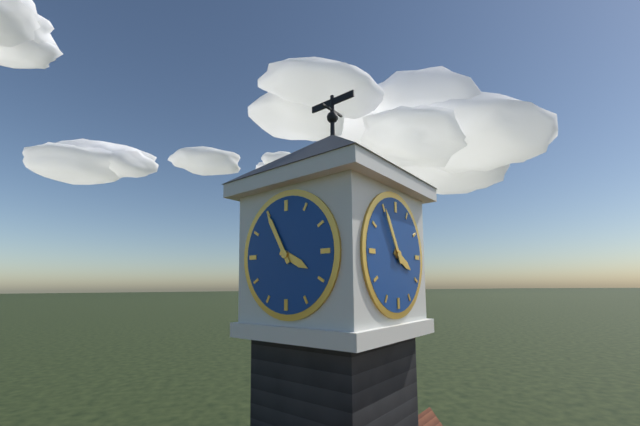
3h55
